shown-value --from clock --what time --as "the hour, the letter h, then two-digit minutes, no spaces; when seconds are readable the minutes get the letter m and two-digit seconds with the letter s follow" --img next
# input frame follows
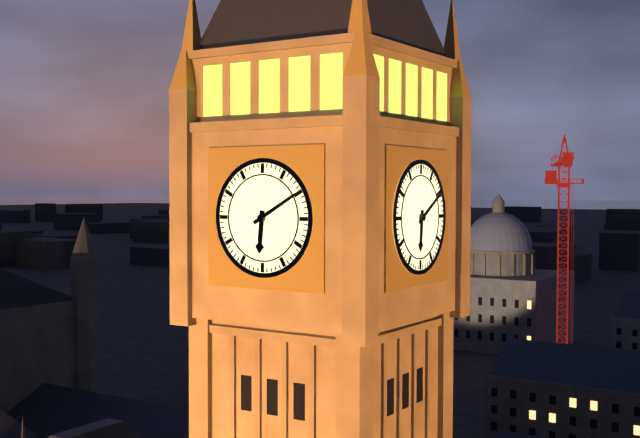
6h10
